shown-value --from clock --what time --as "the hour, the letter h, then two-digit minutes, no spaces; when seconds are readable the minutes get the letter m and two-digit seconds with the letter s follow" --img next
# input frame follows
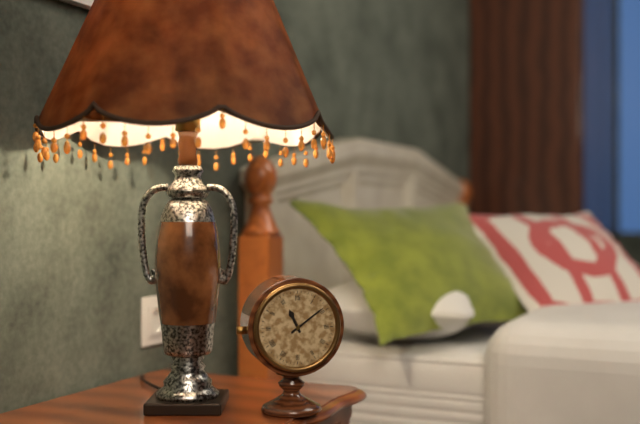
11h09
